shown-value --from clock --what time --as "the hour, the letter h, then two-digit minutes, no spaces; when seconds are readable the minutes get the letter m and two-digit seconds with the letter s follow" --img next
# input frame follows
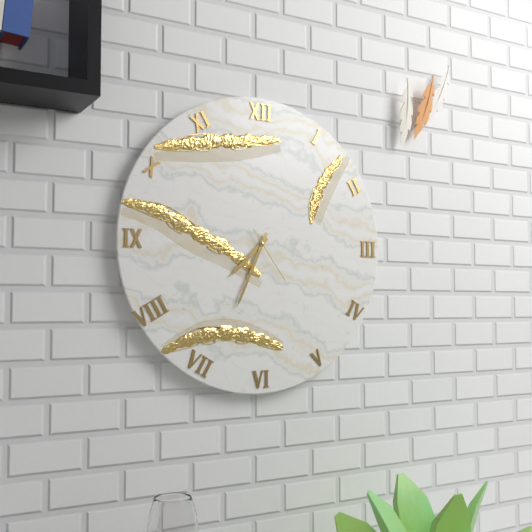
7h34m24s
